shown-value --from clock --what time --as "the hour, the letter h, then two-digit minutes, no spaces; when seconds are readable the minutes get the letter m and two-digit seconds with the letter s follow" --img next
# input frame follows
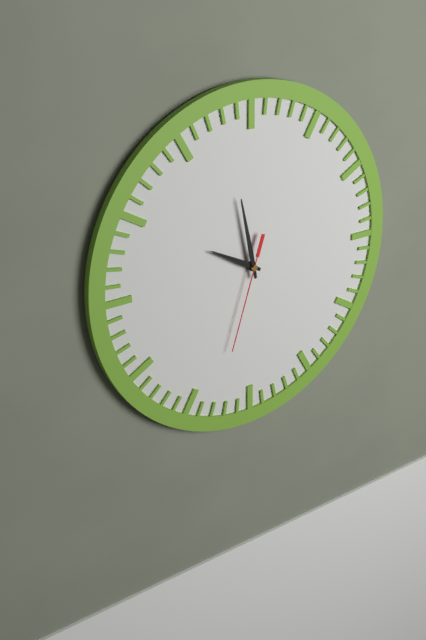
9h58m33s
